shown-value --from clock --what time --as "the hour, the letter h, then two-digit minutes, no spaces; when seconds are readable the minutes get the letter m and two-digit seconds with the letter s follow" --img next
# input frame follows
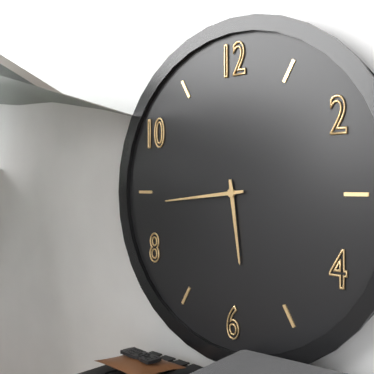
5h44
